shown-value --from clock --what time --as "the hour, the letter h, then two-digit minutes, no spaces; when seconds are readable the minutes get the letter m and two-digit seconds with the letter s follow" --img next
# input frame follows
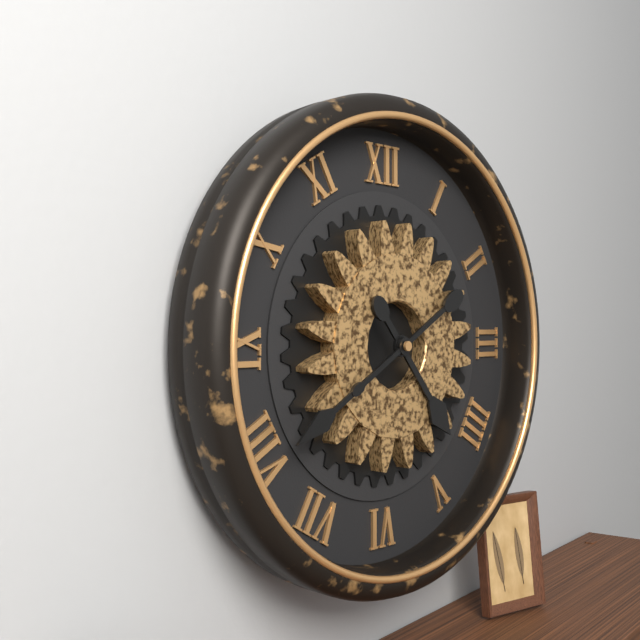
4h40
